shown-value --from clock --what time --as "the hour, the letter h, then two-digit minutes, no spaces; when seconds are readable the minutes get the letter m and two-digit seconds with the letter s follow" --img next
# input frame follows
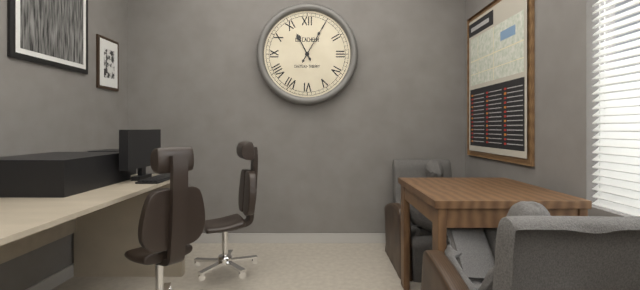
11h05
